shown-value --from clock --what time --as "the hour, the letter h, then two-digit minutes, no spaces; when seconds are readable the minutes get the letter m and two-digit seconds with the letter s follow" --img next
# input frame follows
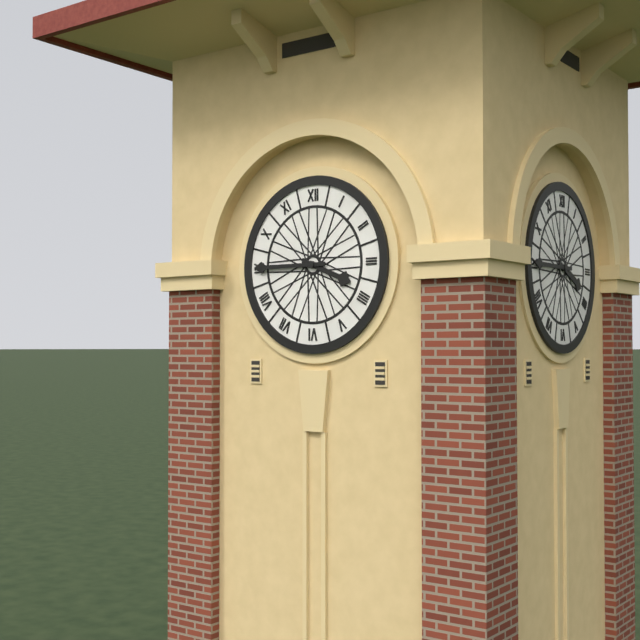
3h45
